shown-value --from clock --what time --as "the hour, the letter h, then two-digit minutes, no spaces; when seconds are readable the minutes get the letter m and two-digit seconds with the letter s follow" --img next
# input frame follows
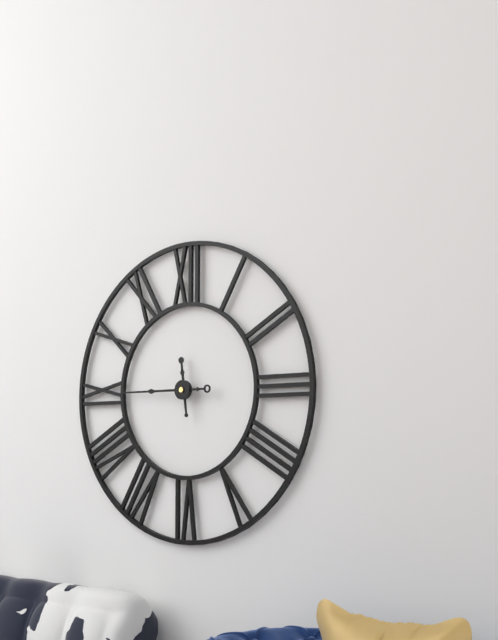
11h45
